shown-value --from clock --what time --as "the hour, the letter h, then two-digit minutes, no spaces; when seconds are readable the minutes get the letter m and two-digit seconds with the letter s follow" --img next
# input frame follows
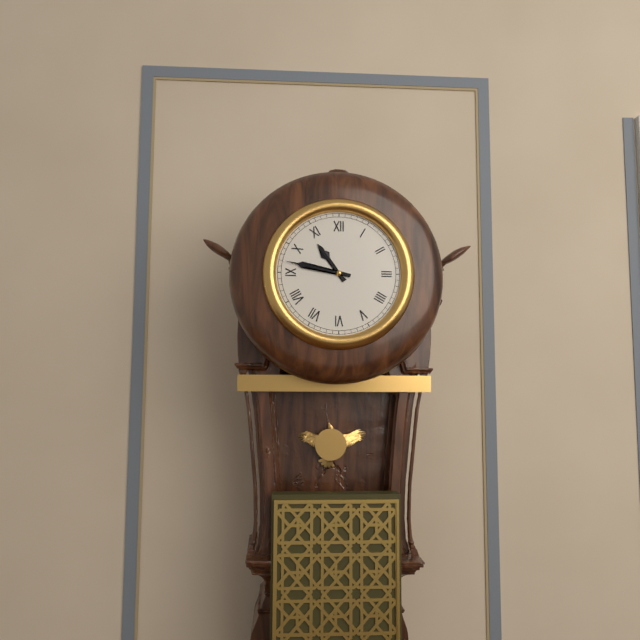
10h47
